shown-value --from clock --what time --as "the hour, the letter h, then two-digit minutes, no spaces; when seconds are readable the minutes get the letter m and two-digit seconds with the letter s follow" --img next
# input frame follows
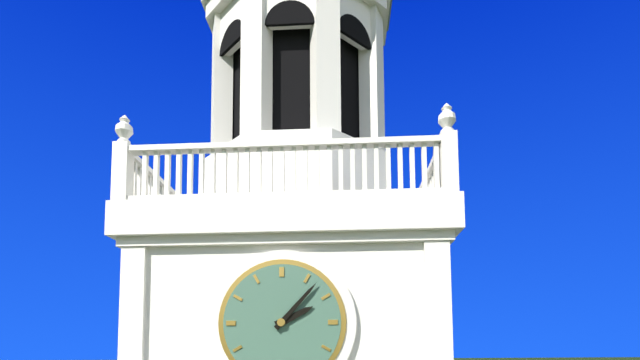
2h07
